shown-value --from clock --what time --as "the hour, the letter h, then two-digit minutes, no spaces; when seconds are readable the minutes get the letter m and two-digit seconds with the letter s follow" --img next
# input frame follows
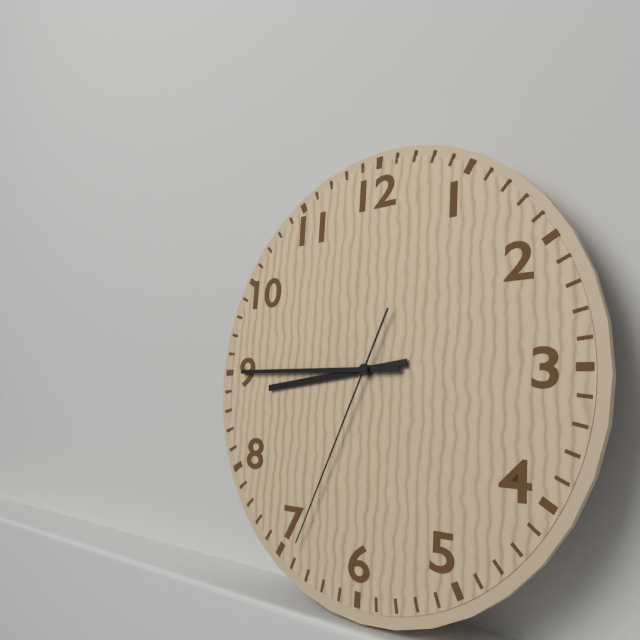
8h45m34s
